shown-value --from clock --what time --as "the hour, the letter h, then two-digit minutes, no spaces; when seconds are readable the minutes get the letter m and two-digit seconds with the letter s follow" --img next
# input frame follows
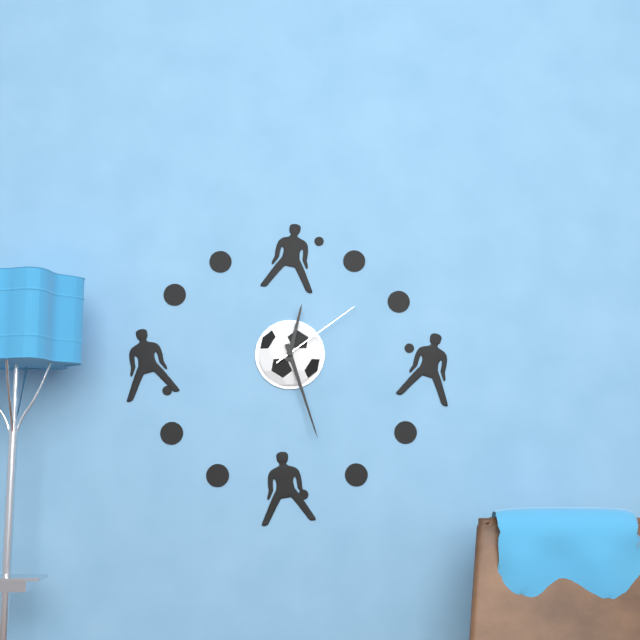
12h27m09s
